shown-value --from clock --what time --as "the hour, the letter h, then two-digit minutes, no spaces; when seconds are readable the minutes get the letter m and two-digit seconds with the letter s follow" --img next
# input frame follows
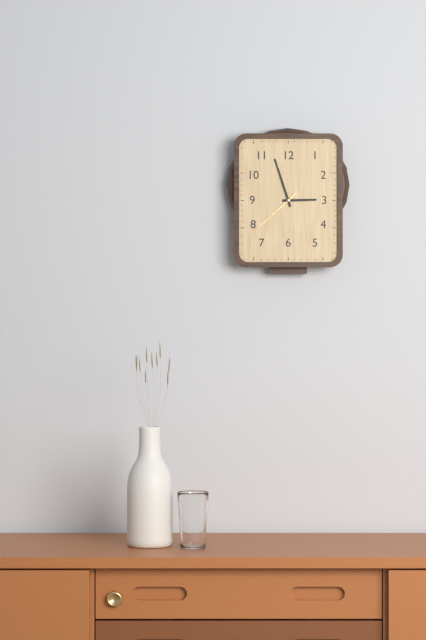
2h57m38s
